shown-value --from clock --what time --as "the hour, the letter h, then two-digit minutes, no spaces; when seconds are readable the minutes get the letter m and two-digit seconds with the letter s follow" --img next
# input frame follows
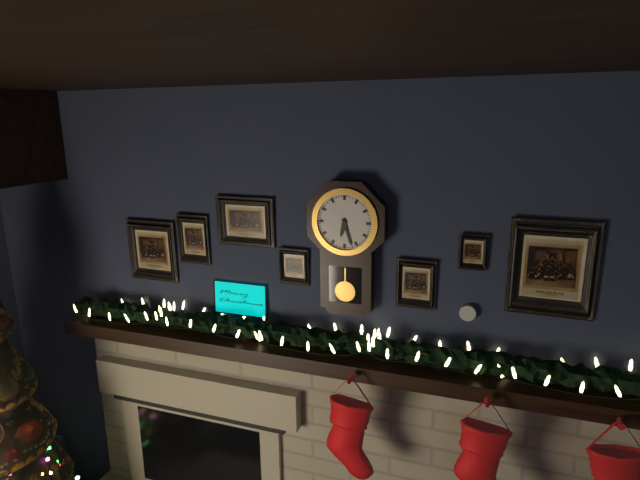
6h27
